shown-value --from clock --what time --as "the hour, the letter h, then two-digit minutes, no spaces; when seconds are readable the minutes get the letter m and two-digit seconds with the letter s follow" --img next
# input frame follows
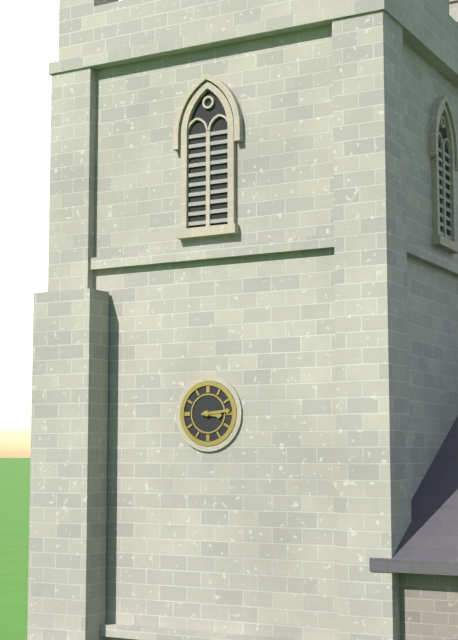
3h14
